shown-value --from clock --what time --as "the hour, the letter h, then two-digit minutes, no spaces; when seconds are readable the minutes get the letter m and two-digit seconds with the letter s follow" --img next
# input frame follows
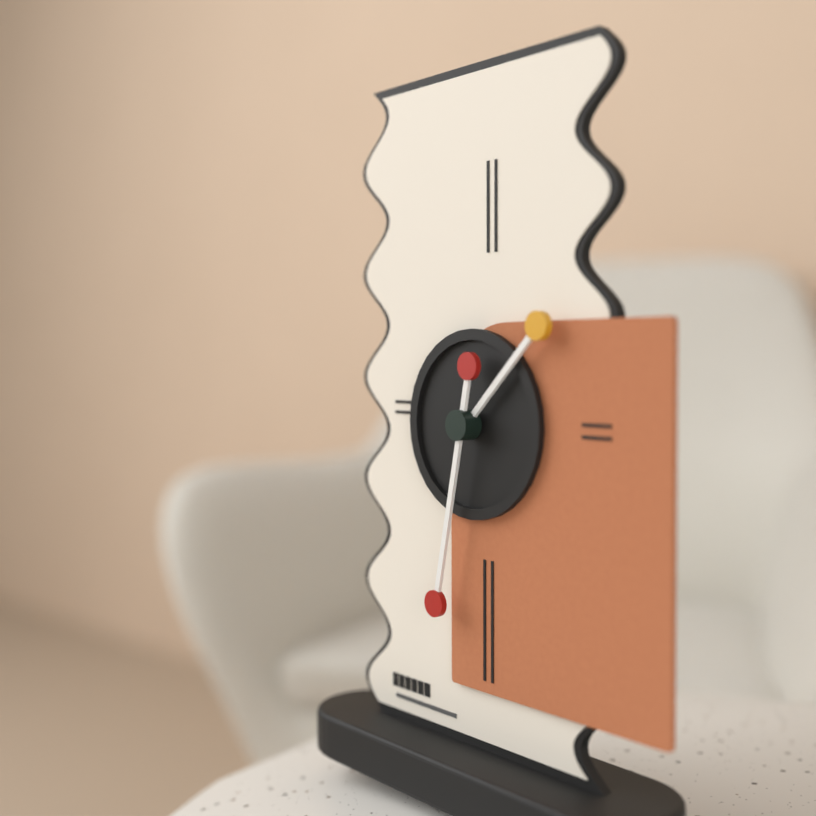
1h32
